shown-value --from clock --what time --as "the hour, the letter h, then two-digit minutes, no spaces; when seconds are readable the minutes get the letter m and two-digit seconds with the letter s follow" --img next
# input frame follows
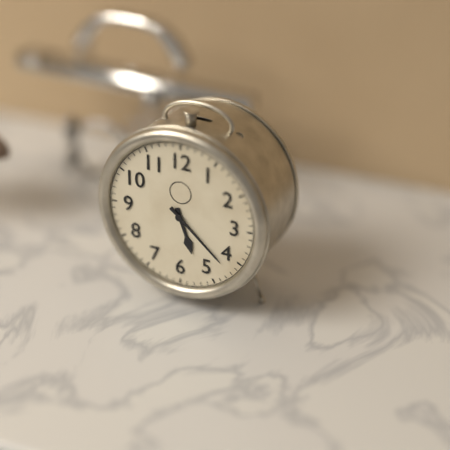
5h22
